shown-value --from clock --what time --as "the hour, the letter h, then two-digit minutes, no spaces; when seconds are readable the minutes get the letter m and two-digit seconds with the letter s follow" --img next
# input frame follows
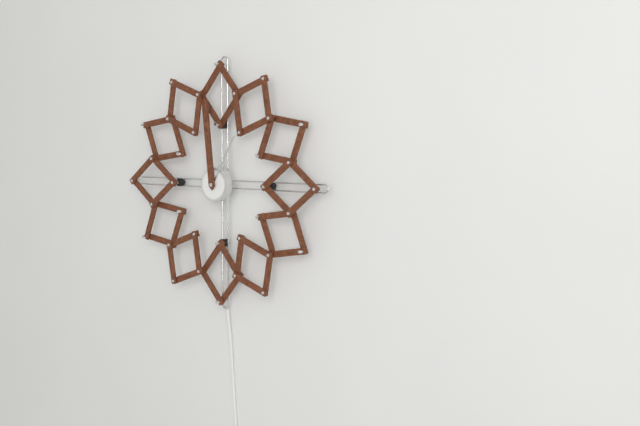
12h59
